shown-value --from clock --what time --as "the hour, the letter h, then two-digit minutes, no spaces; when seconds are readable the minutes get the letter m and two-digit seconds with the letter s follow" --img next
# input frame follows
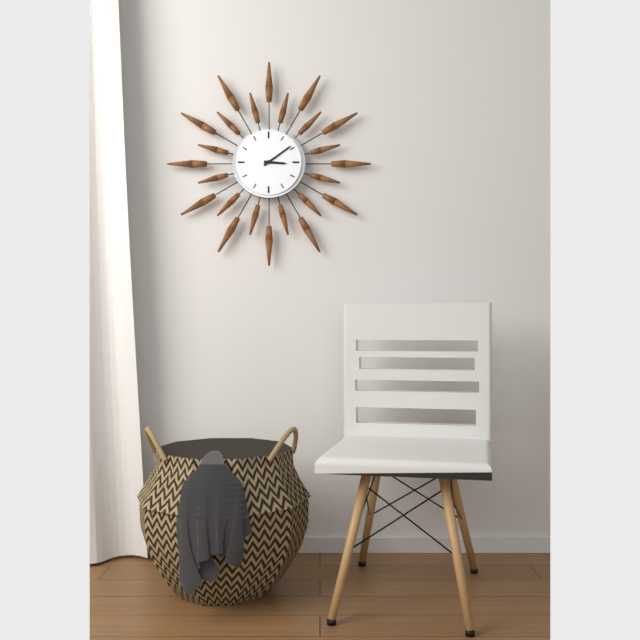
3h09
